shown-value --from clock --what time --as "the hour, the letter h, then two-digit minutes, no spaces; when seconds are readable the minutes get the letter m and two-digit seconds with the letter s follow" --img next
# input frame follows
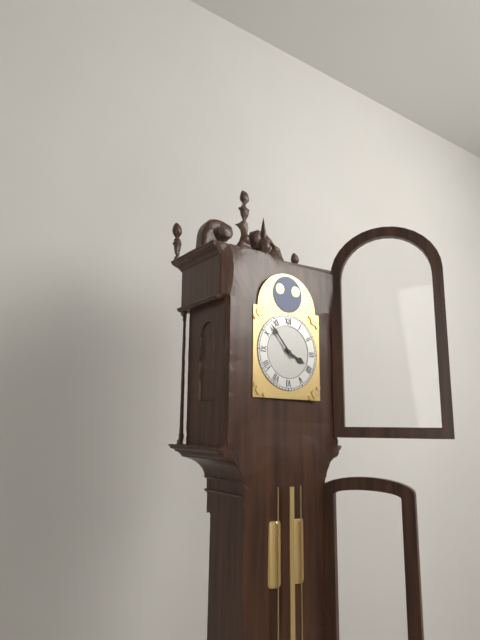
3h53
